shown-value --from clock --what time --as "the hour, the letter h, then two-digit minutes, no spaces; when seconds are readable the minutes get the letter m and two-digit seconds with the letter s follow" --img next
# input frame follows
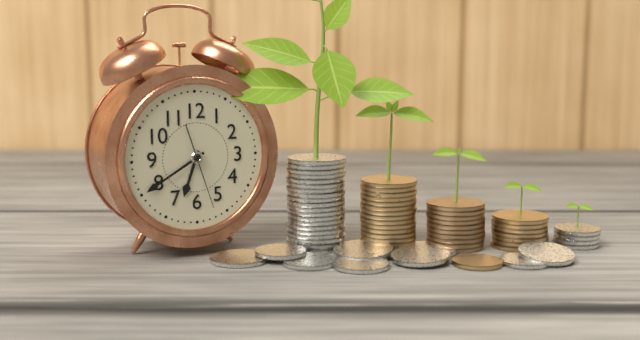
6h40m27s
